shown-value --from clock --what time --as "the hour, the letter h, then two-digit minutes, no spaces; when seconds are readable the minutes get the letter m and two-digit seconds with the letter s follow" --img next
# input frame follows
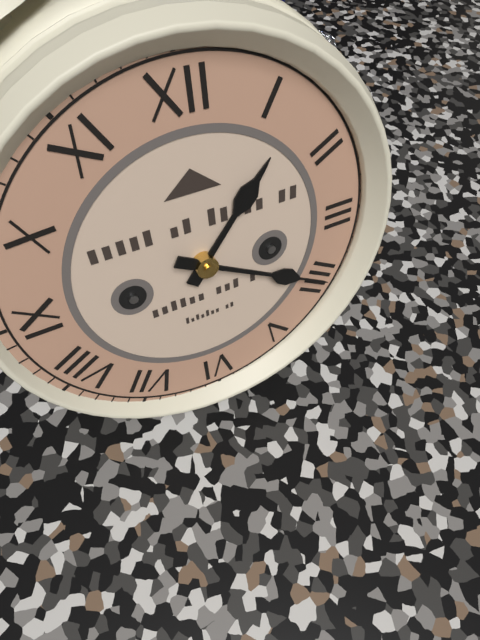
1h20
